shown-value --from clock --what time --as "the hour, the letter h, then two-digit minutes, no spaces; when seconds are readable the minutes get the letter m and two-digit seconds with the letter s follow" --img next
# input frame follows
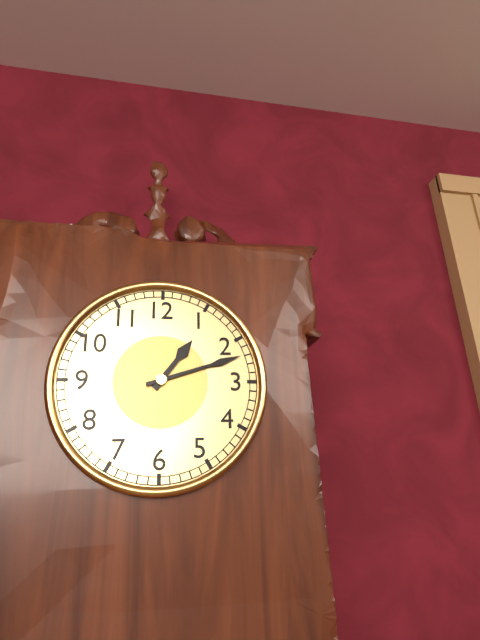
1h12
